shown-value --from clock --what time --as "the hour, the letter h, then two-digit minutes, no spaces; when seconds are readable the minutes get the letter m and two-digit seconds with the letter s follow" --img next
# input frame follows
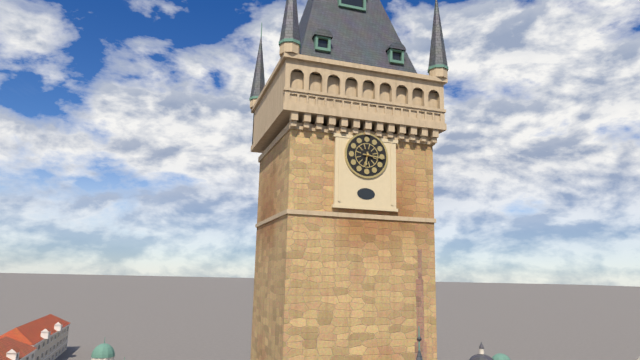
6h16
